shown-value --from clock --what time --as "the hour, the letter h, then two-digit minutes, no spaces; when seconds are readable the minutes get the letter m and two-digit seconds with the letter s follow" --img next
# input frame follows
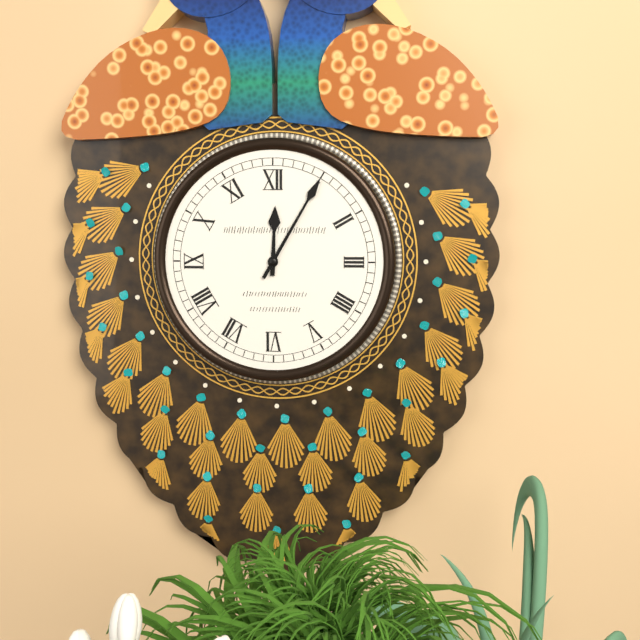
12h05
